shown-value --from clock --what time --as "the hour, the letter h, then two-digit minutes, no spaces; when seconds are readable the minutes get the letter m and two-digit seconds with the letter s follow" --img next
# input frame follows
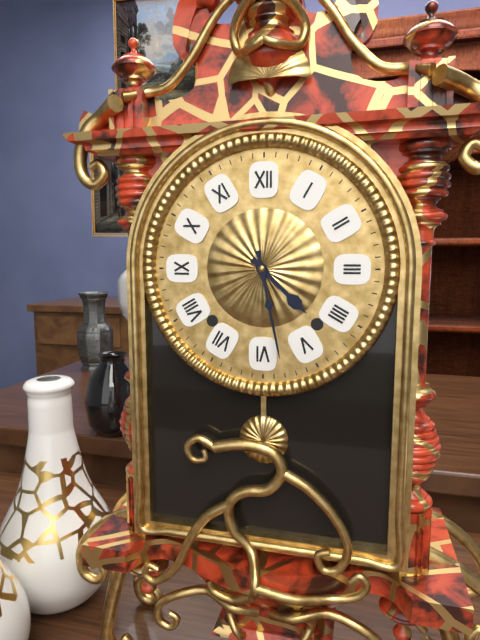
4h28
